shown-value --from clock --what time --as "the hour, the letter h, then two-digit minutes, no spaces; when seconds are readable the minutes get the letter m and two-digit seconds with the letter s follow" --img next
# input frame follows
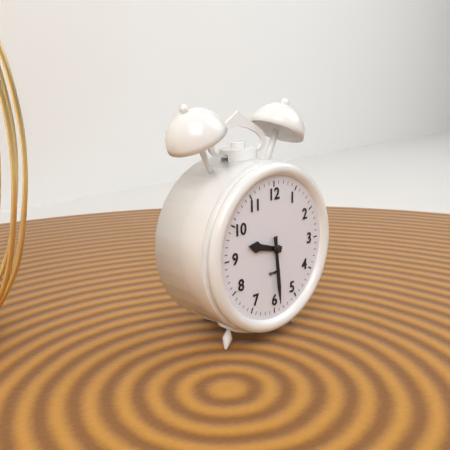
9h29
